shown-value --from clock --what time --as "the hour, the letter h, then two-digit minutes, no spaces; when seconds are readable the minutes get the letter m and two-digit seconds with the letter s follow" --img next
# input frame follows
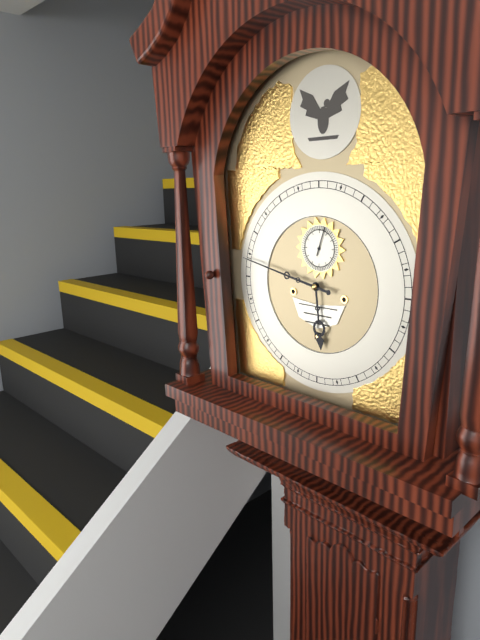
5h47
